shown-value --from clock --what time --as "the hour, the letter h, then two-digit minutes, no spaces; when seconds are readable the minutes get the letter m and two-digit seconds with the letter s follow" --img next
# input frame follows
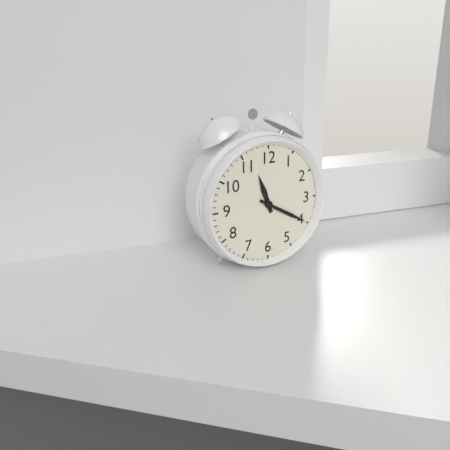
11h20
